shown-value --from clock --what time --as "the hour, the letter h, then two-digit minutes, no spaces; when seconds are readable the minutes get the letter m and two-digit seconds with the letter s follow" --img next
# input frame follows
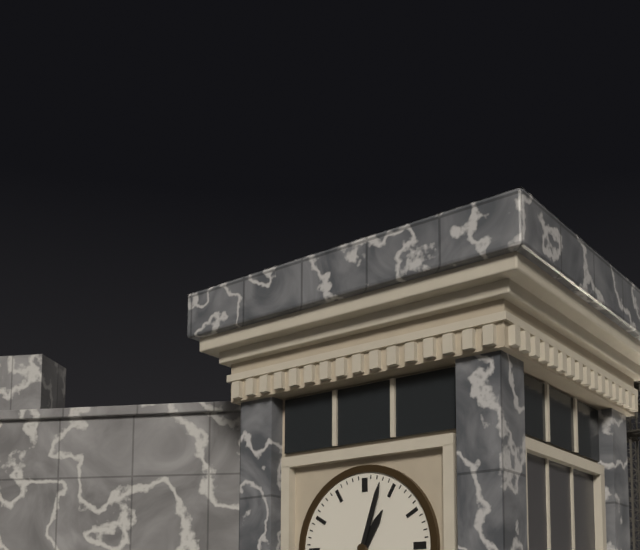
1h03
